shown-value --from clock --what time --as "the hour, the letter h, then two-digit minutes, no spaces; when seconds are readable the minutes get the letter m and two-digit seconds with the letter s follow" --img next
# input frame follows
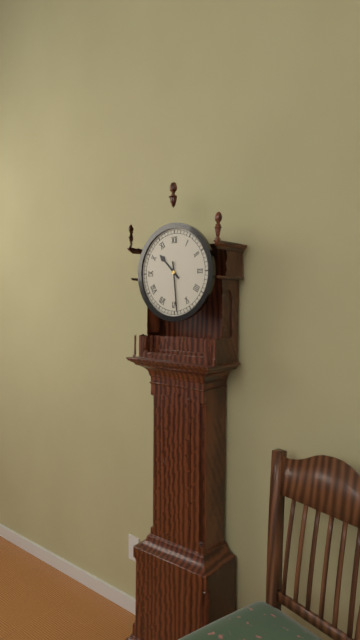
10h29
